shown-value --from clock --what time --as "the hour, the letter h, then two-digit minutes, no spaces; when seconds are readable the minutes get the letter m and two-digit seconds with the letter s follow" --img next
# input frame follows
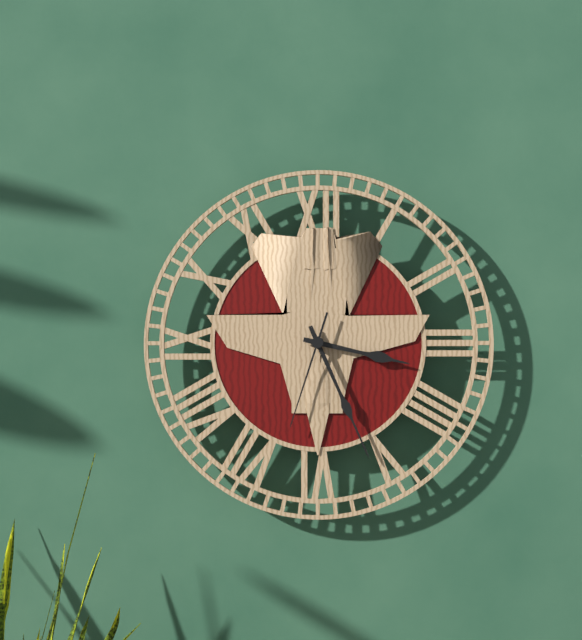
3h26m33s
